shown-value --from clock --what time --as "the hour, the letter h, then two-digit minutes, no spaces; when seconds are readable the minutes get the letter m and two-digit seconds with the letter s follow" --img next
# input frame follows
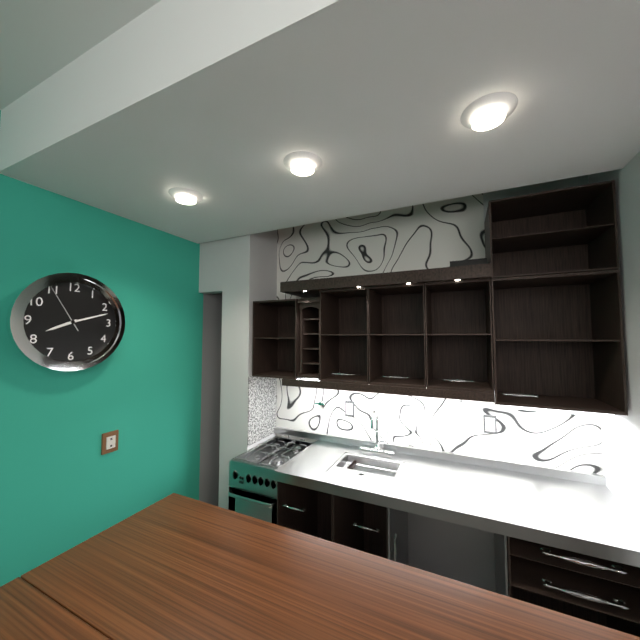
8h12m55s
